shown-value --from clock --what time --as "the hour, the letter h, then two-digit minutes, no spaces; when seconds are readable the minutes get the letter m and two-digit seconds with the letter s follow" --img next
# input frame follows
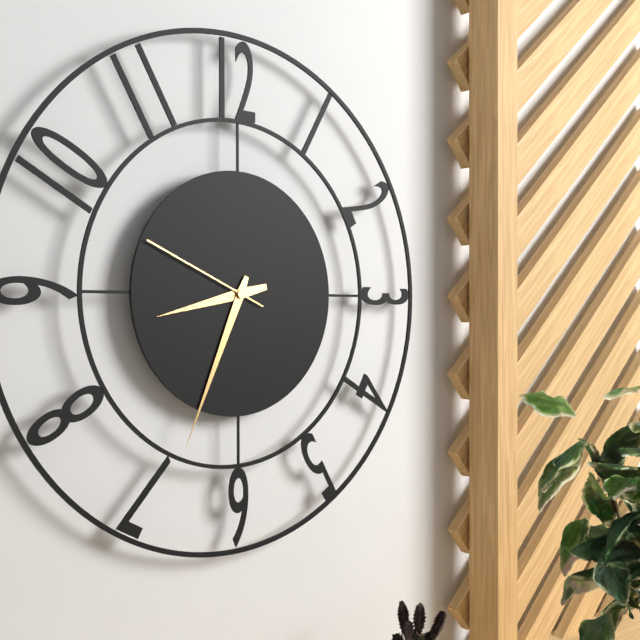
8h34m49s
